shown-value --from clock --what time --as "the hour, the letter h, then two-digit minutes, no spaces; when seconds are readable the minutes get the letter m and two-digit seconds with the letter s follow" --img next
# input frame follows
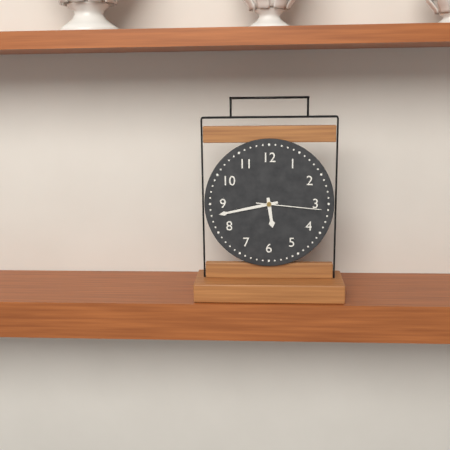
5h43m16s
